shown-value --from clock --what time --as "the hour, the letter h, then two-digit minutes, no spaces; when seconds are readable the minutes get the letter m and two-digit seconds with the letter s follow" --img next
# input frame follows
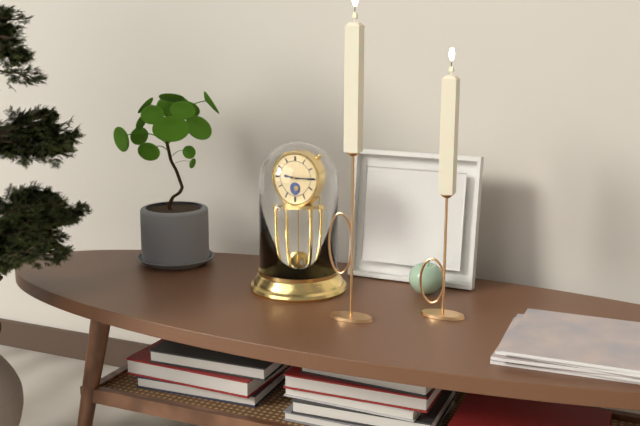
9h15
